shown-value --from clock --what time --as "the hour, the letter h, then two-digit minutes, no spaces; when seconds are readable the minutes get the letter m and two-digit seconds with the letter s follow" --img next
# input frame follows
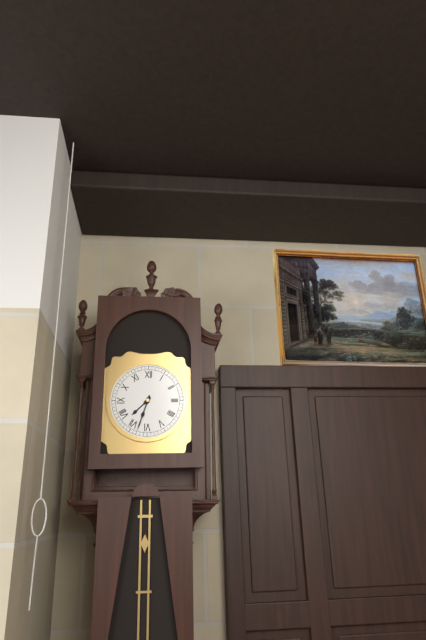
7h33
